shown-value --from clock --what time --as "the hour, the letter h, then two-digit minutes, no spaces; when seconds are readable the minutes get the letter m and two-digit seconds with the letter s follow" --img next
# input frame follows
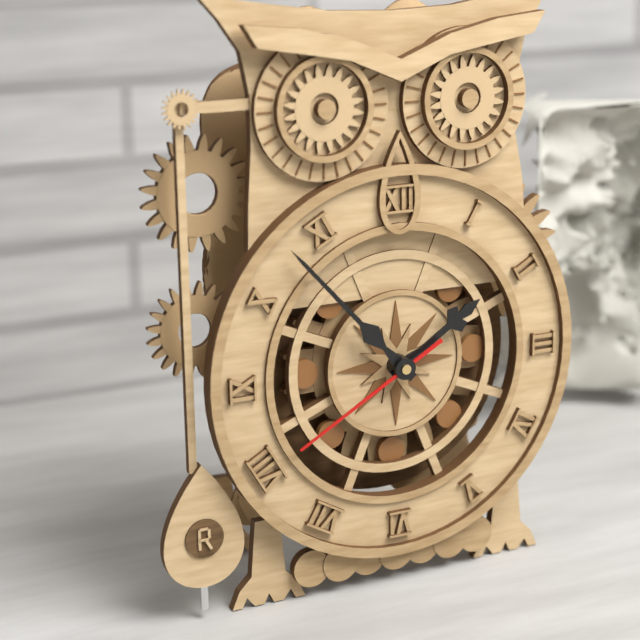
1h53m40s
